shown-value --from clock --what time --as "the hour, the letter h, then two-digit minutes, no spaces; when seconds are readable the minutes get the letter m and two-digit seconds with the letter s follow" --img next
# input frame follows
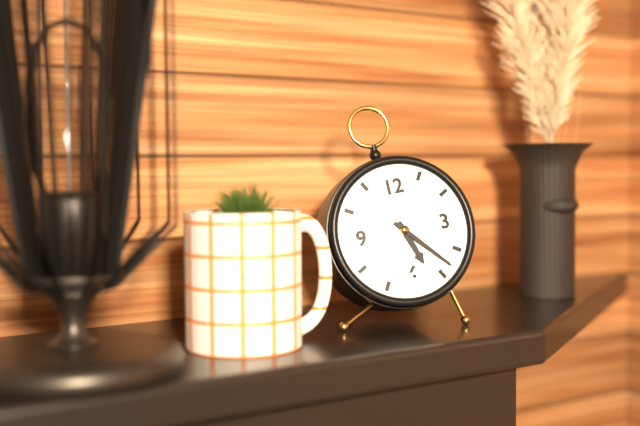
5h23
